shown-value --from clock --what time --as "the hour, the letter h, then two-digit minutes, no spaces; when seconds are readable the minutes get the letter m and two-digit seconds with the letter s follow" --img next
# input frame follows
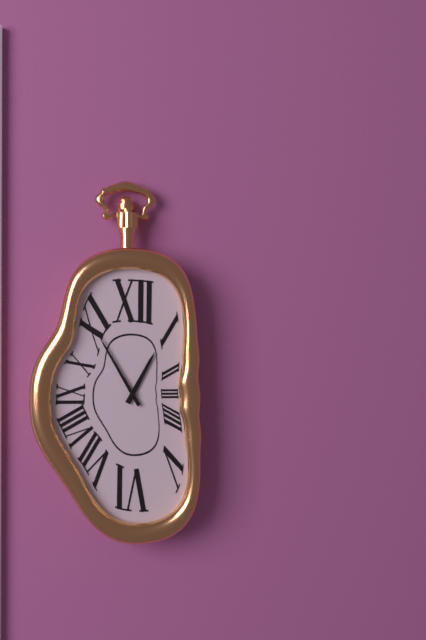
12h55
